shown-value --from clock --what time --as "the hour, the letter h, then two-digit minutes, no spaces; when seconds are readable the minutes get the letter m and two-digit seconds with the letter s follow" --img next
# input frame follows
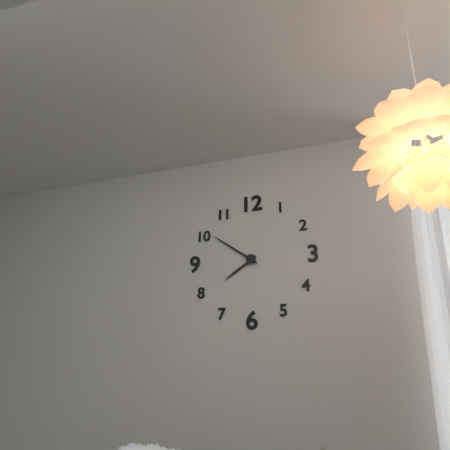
7h51
